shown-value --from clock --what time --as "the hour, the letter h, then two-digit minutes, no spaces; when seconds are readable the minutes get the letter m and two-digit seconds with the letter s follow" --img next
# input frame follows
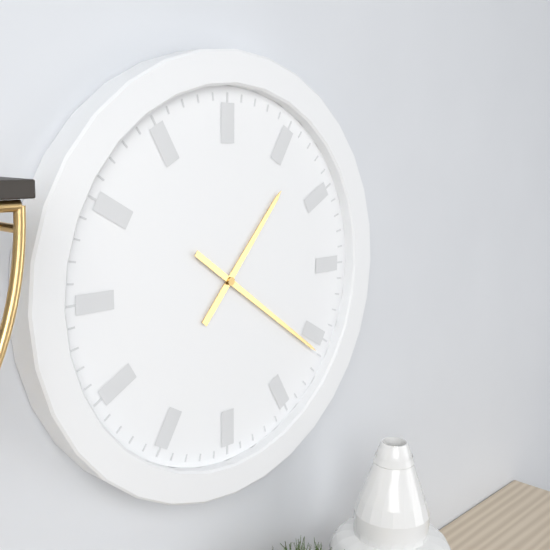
1h21
